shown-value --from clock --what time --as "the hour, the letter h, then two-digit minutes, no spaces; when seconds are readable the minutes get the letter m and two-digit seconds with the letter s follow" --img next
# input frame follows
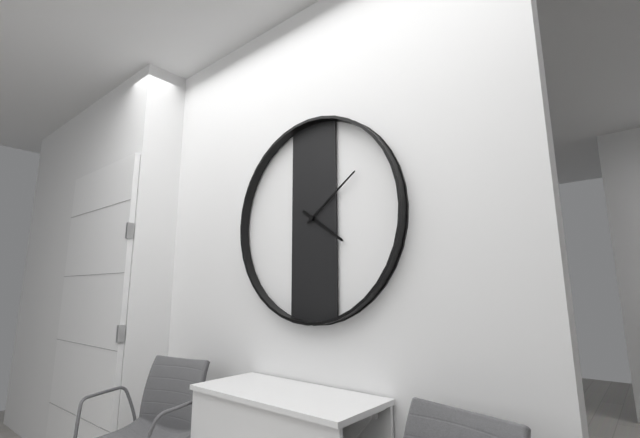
4h09
